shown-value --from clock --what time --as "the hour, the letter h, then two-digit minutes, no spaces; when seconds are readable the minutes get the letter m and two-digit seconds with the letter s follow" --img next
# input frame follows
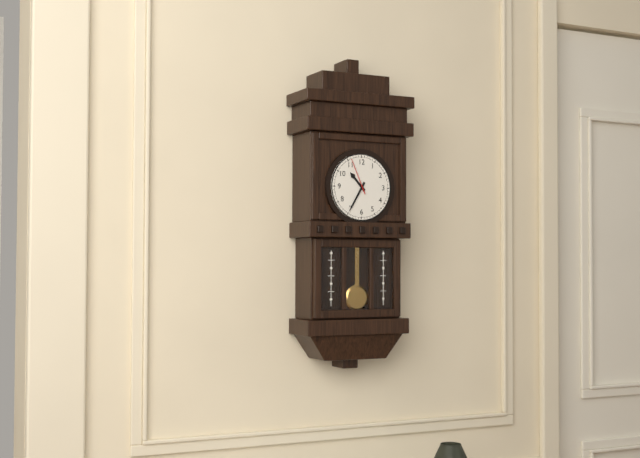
10h35
